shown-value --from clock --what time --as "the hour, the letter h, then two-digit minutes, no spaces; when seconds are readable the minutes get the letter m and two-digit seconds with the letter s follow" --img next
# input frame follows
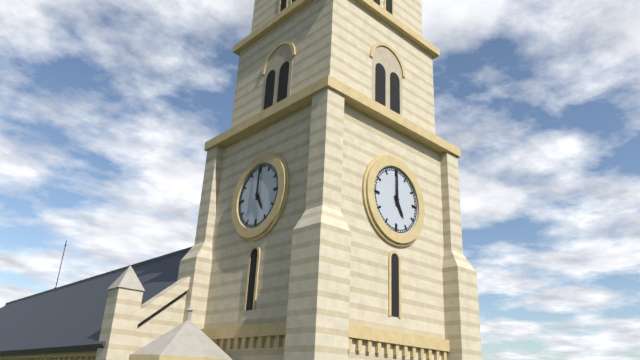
5h00
